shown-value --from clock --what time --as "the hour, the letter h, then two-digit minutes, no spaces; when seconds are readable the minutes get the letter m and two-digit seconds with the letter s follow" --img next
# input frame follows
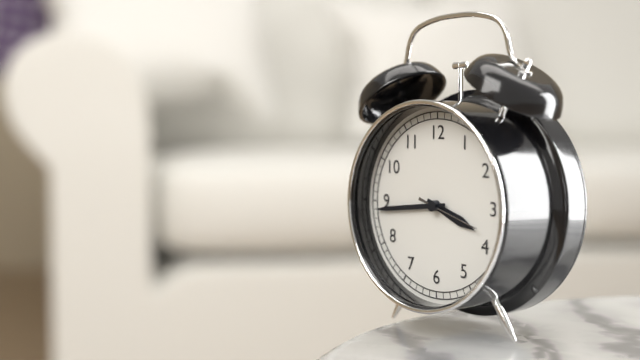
3h44m18s
